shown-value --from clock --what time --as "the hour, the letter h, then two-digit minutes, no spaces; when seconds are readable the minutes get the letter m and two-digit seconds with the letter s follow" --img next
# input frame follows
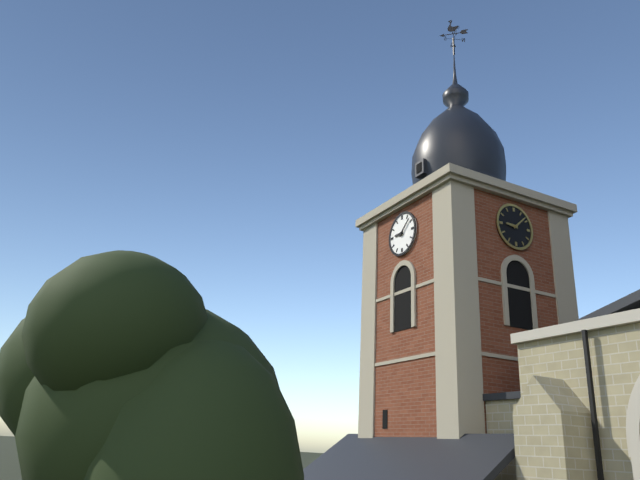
9h08
